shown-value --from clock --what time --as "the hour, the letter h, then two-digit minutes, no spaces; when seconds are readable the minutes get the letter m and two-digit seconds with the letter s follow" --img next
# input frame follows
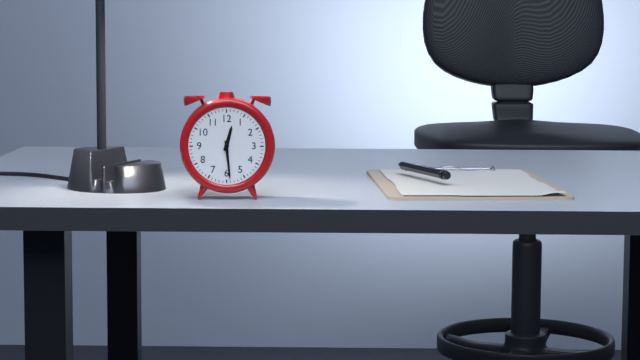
12h29
